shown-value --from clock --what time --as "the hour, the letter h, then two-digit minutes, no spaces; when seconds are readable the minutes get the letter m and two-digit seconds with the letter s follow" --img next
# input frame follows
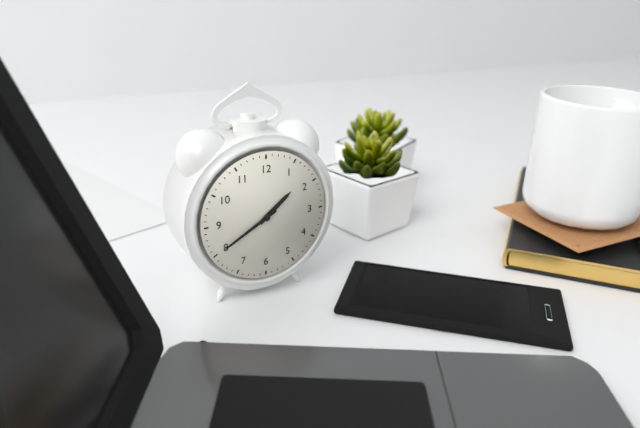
1h40
